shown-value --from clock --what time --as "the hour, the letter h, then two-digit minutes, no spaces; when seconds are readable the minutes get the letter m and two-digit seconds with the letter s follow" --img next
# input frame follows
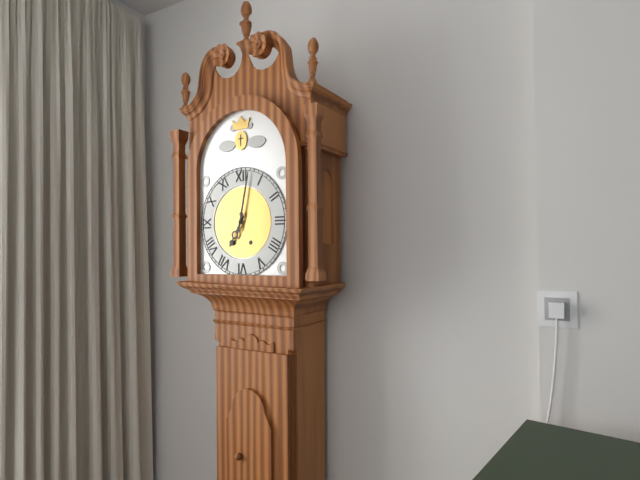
7h02
